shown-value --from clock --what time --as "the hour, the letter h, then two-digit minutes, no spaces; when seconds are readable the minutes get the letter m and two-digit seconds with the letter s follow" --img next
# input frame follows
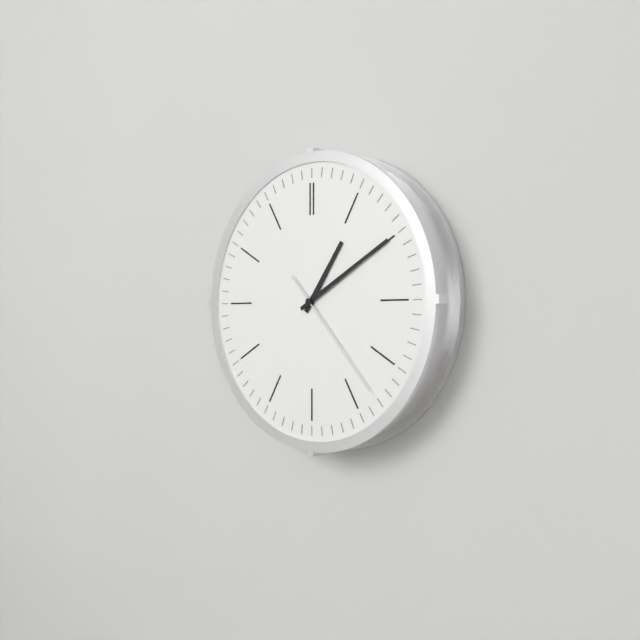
1h10m23s
